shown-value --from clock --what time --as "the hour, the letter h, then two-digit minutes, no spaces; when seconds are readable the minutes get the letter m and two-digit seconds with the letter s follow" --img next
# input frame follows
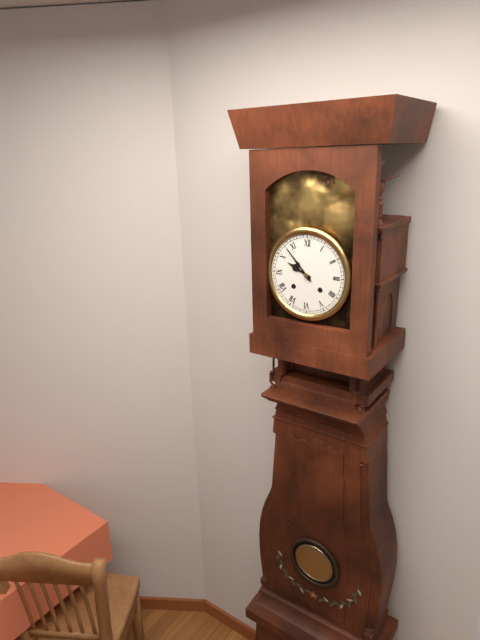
9h53
